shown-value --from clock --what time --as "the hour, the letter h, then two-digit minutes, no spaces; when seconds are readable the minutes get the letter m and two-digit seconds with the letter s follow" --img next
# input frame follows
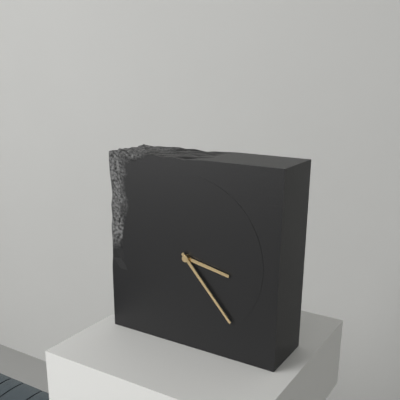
3h23
